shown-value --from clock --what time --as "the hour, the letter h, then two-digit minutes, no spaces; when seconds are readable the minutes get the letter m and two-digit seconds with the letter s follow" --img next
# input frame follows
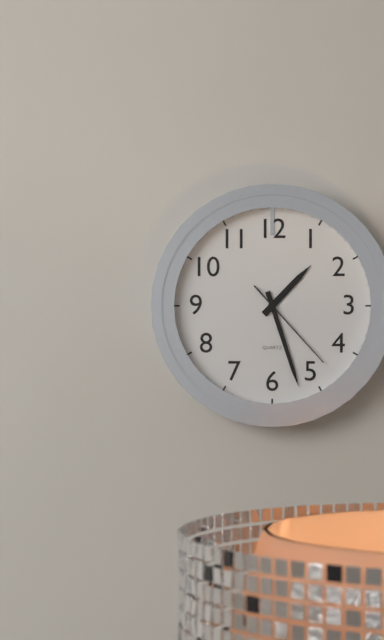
1h27m23s
